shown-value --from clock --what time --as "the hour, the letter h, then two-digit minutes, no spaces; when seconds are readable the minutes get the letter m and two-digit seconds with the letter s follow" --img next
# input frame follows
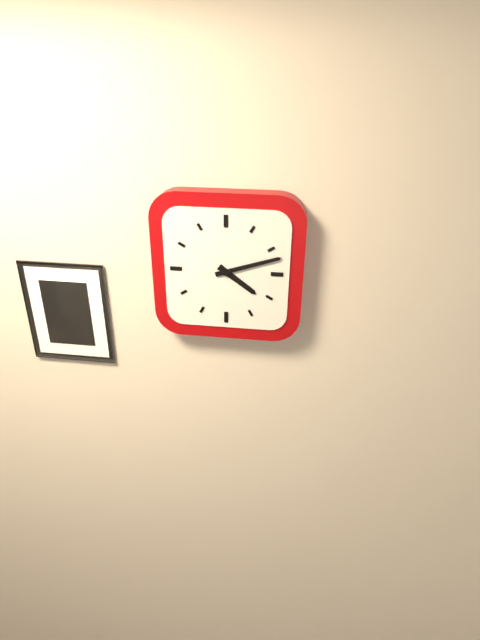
4h12
